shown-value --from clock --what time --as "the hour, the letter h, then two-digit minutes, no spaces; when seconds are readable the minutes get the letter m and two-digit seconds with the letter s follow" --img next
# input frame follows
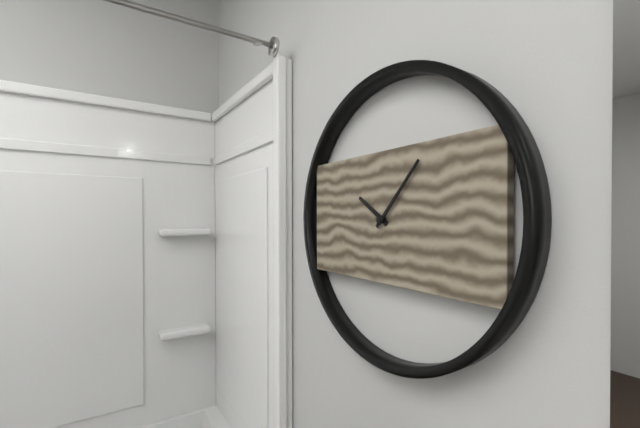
10h07
